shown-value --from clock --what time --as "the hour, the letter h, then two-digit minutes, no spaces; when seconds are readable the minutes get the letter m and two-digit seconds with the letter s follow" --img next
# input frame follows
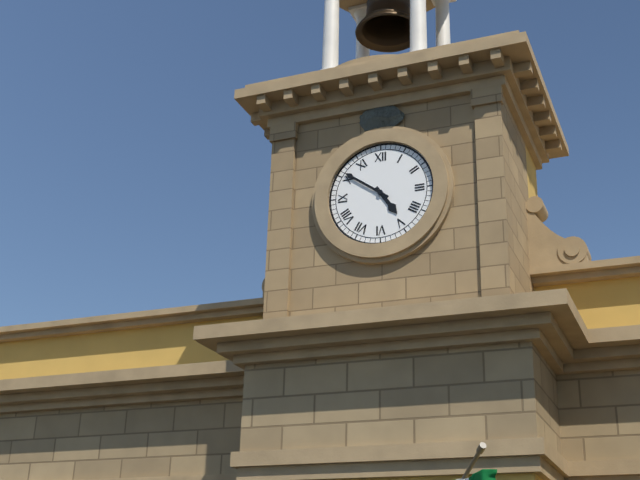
4h51
